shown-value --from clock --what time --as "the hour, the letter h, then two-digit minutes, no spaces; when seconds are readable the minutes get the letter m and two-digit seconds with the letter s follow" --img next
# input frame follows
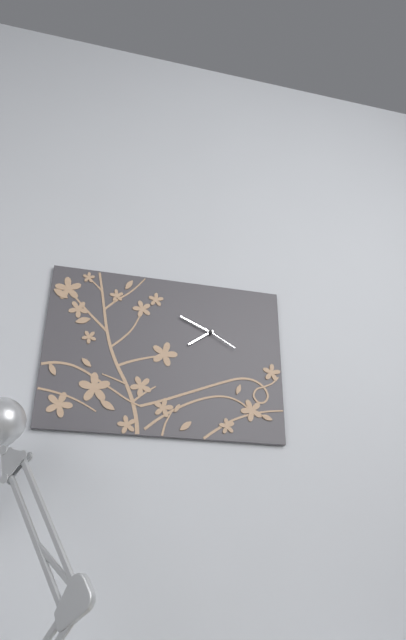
7h49
